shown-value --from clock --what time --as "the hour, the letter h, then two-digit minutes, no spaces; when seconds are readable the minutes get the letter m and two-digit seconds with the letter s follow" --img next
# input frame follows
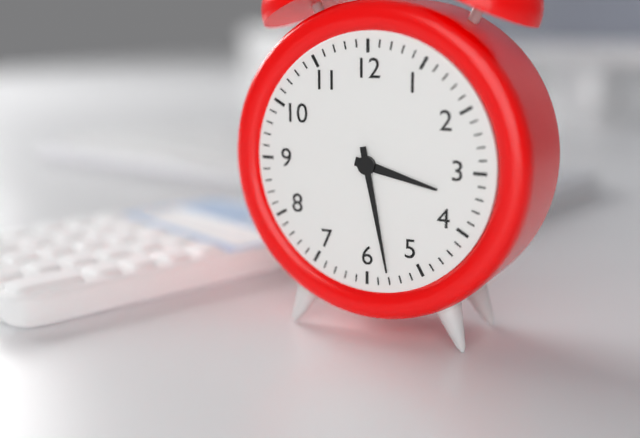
3h28
